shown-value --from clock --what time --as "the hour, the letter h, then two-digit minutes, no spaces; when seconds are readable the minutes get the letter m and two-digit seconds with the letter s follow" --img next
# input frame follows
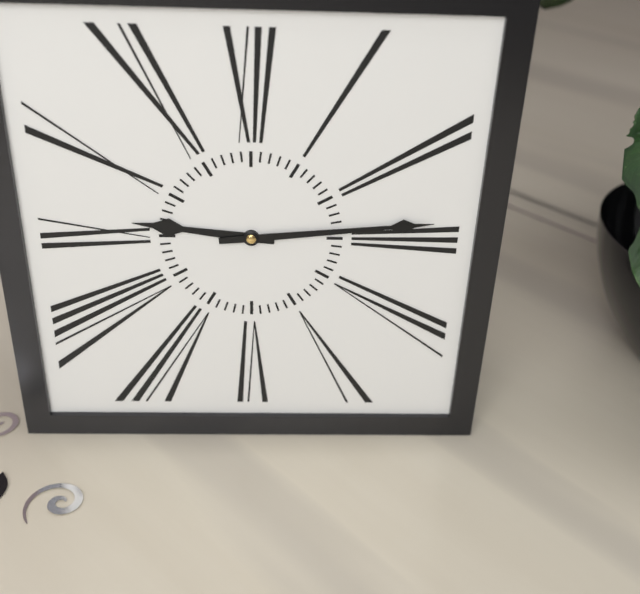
9h14
